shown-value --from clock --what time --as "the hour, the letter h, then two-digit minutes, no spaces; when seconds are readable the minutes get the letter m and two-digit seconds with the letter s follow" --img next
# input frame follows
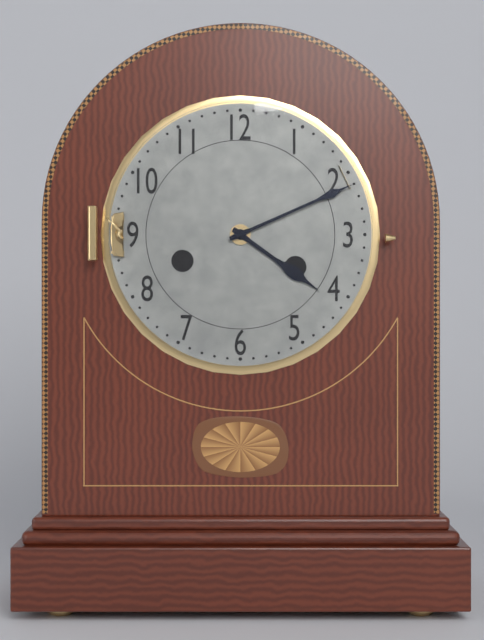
4h11
